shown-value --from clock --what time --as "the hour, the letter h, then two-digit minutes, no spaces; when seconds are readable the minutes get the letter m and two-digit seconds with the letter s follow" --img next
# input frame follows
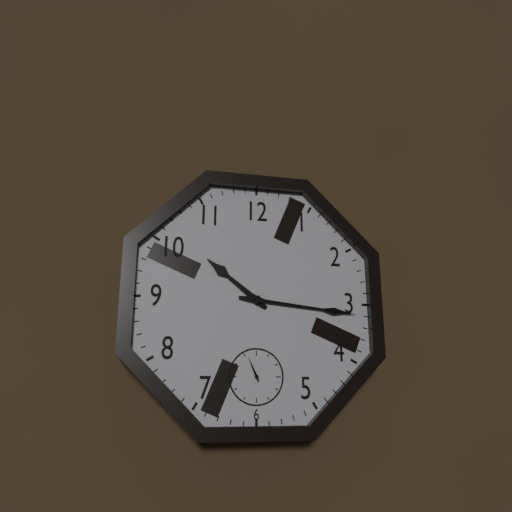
10h16
